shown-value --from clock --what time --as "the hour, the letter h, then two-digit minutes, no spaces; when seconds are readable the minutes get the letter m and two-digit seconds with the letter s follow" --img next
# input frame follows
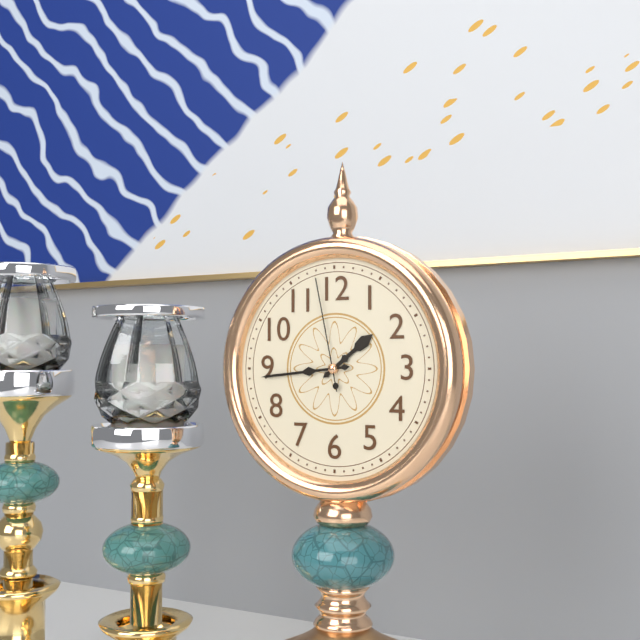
1h44m58s
